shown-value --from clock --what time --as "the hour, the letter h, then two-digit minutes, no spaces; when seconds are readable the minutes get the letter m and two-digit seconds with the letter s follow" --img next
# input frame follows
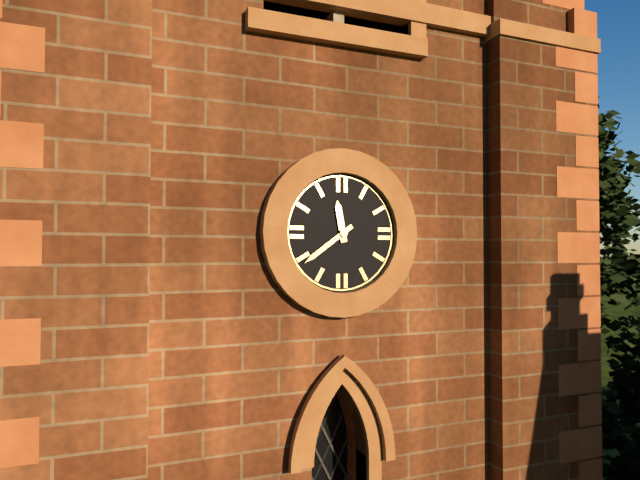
11h39
